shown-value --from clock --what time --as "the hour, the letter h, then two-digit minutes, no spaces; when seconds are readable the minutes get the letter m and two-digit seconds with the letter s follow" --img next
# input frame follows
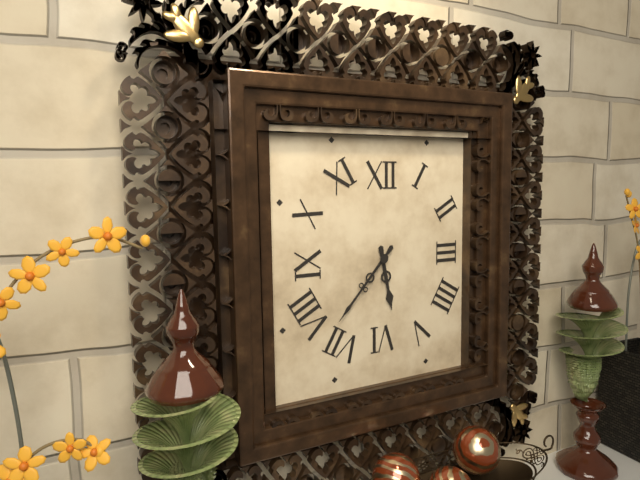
5h37
